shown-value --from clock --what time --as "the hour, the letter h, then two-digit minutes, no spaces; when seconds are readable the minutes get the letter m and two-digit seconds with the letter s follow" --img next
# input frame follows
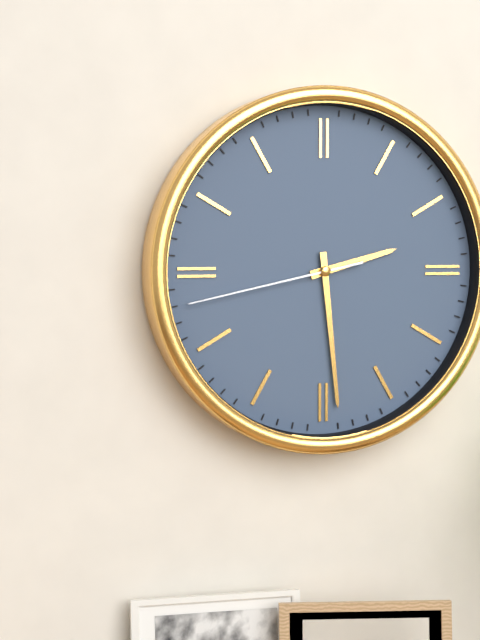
2h29m43s
